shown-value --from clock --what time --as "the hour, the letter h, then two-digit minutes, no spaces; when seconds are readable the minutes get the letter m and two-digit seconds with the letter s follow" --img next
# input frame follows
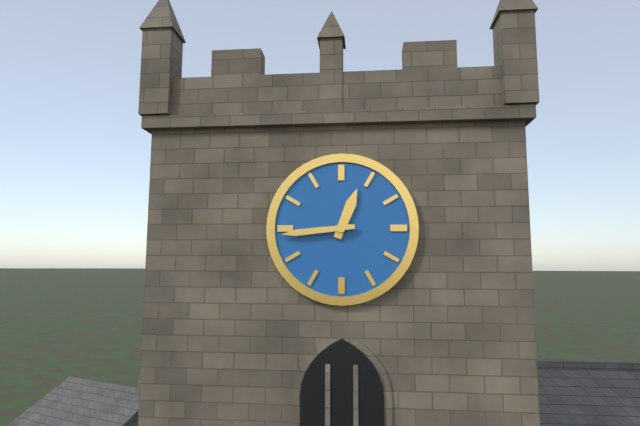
12h44
